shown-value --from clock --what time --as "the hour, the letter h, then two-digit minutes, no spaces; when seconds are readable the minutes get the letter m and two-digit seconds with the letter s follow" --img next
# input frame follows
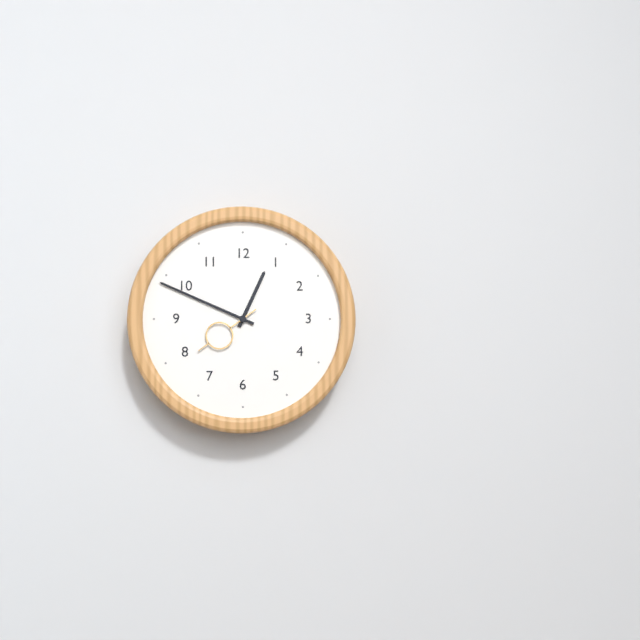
12h49m39s
